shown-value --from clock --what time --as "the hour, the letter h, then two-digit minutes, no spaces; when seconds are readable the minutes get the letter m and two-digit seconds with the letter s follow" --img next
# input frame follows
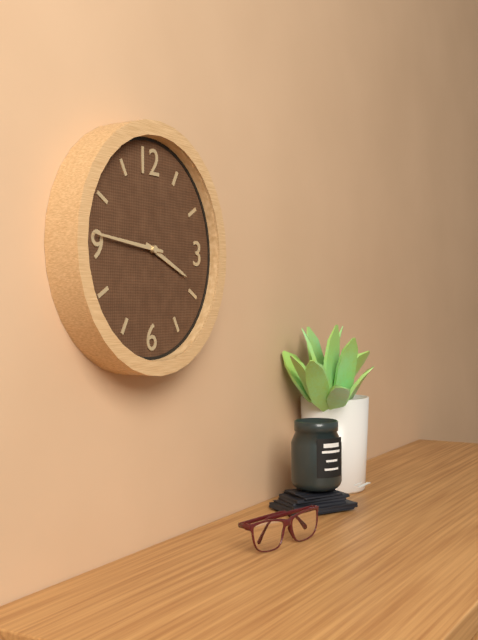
3h46
